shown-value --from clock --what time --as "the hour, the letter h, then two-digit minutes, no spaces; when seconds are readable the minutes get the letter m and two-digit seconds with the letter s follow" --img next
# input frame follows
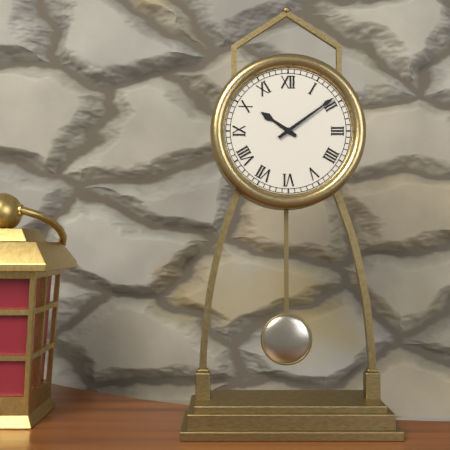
10h09
